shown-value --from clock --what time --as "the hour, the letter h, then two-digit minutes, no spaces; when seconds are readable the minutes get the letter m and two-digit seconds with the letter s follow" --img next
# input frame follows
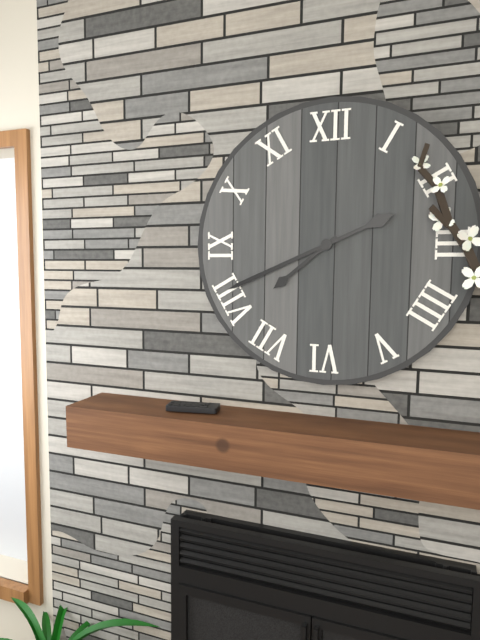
7h41
